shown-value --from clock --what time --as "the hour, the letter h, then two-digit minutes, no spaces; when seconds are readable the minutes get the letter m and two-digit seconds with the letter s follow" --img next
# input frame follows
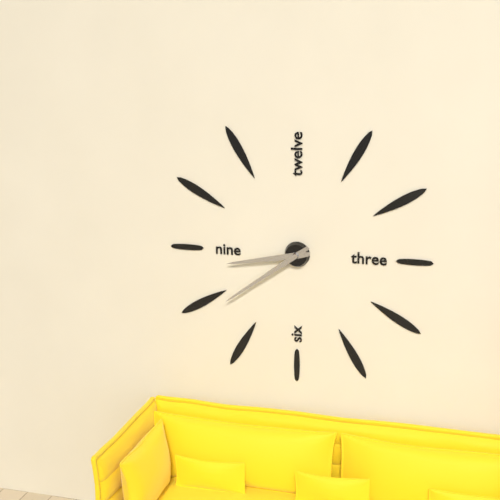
8h39
